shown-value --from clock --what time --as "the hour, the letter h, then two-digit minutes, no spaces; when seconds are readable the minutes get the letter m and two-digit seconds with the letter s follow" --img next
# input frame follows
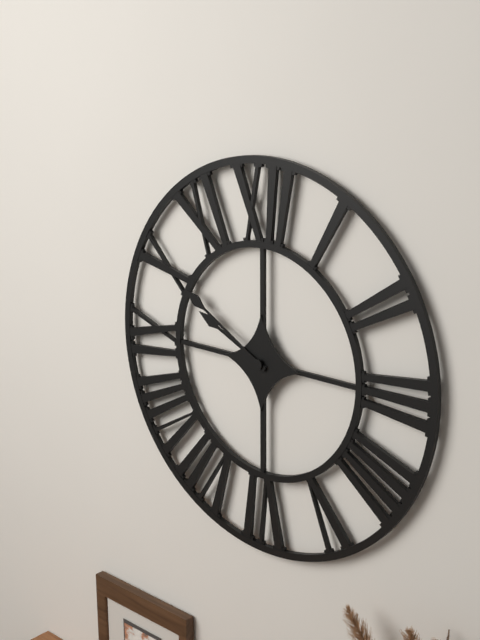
9h50
